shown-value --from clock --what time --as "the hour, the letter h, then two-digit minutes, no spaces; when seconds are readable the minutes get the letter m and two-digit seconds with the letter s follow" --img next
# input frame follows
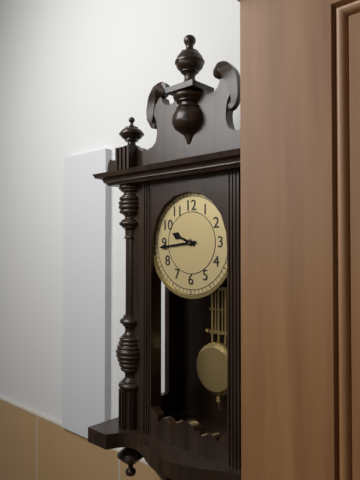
9h44
